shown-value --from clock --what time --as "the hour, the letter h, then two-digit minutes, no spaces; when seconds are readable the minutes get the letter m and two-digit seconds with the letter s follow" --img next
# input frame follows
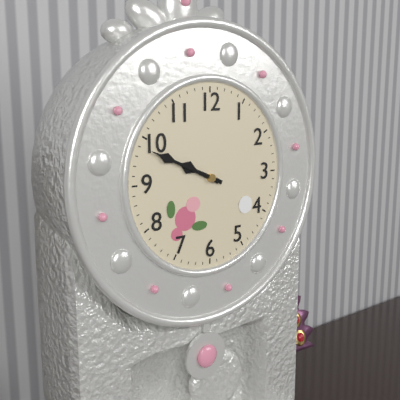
9h49
